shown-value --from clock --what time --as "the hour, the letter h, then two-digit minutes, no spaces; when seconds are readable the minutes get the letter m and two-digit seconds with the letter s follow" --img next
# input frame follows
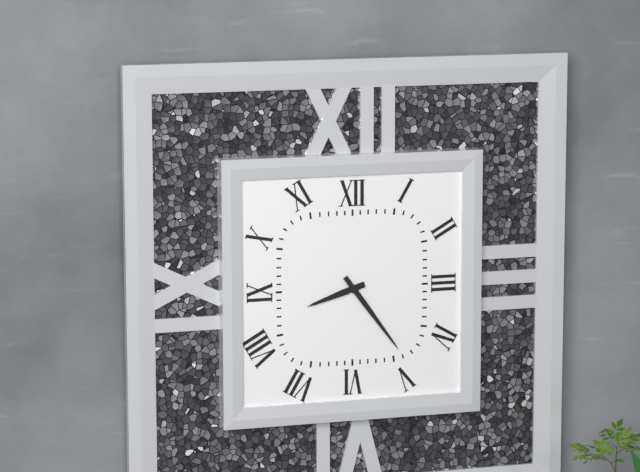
8h24
